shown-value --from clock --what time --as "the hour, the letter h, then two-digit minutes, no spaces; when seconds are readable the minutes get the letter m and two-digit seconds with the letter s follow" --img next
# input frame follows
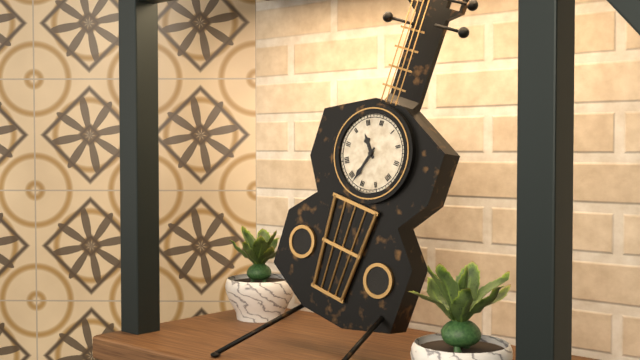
10h33
